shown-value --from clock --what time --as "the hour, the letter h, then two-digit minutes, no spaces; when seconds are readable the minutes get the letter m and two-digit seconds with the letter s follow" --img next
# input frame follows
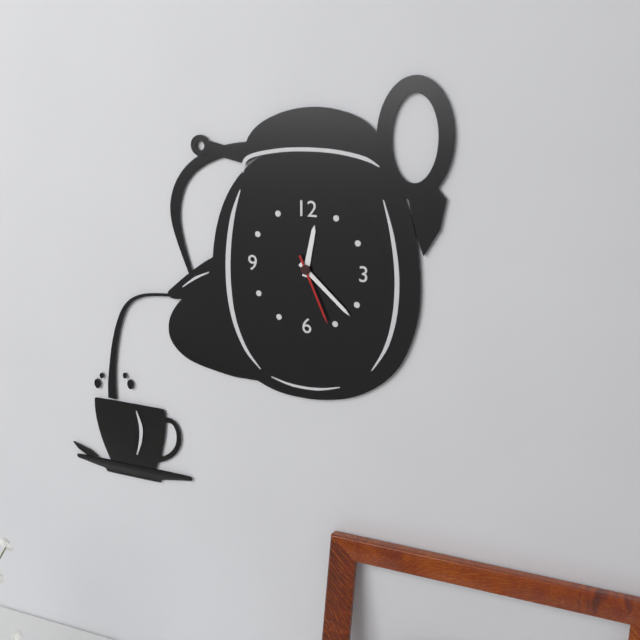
12h22m26s
